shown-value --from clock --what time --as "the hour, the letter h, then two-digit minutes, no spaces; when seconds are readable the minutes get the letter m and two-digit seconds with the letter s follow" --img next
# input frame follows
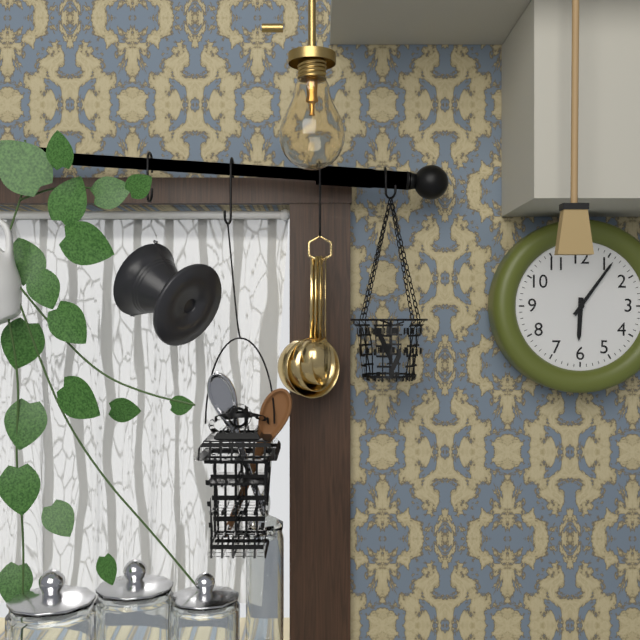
6h06
